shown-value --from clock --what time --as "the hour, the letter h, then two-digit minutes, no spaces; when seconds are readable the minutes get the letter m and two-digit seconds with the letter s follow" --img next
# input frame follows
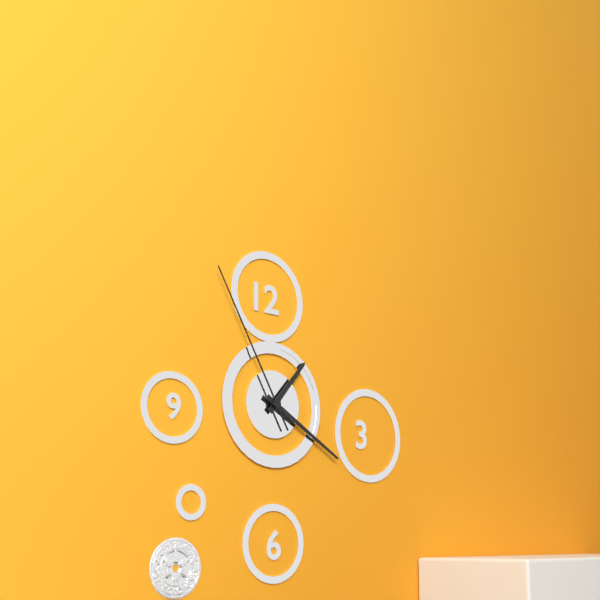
1h20m55s
